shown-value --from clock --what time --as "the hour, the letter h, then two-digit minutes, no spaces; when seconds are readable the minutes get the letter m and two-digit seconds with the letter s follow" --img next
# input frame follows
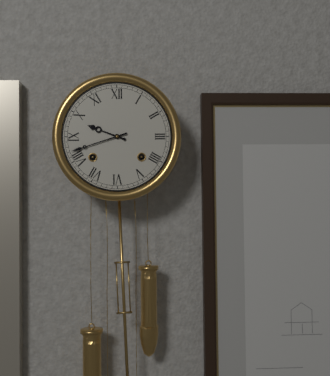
9h42
